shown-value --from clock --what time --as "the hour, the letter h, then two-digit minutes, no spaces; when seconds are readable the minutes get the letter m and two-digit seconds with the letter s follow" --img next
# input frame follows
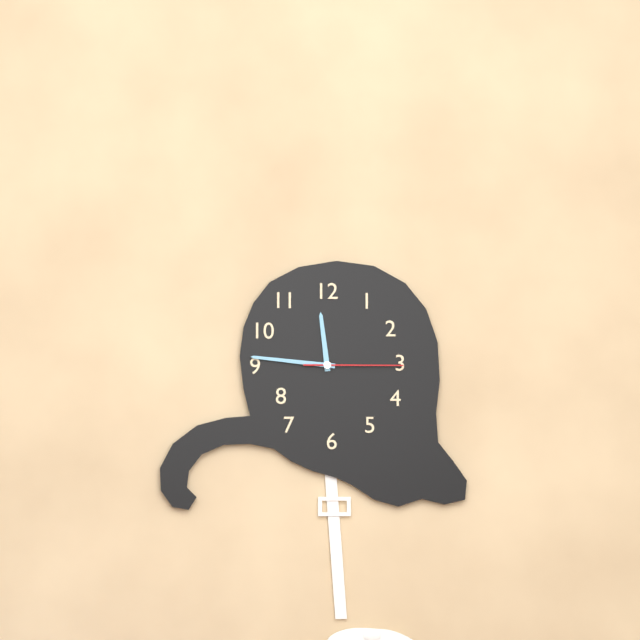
11h46m15s
